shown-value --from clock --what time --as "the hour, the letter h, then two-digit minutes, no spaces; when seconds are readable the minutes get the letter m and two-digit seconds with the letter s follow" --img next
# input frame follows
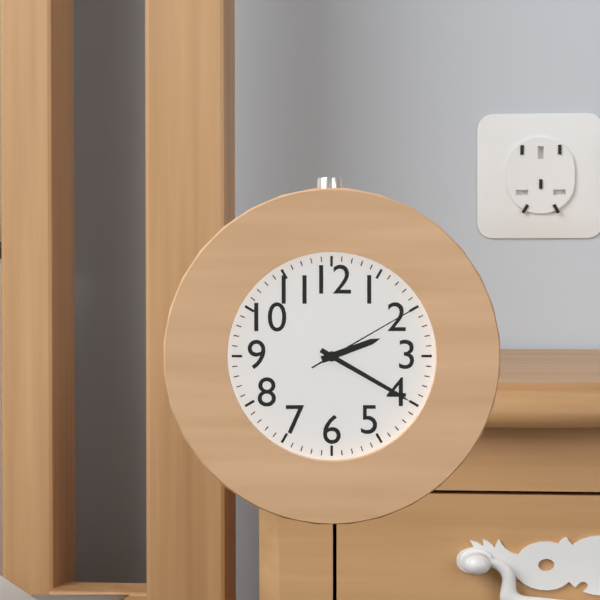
2h20m10s
